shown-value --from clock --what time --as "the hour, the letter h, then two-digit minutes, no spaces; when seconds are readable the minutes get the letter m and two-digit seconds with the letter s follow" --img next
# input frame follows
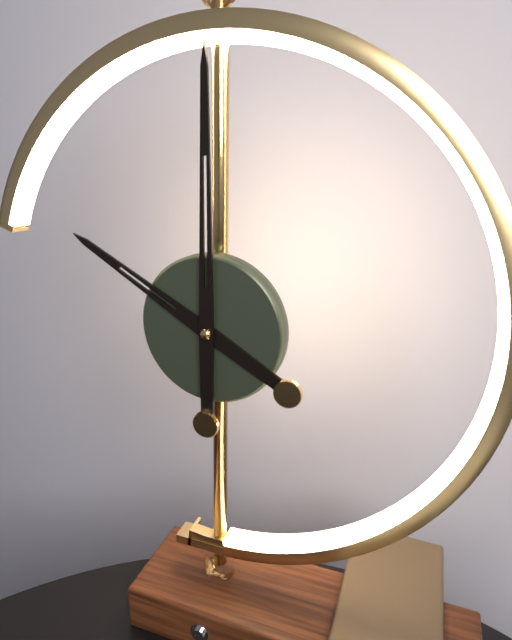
10h00
